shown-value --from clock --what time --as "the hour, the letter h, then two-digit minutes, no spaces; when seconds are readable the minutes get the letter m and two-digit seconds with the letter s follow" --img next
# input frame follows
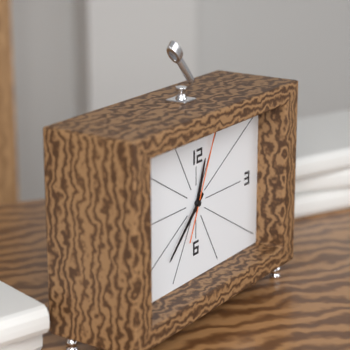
12h38m04s
